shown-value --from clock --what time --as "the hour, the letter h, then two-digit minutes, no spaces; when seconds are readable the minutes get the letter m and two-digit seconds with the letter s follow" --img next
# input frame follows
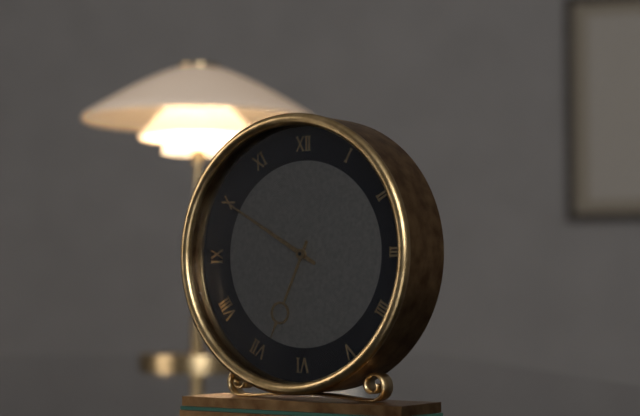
6h50
